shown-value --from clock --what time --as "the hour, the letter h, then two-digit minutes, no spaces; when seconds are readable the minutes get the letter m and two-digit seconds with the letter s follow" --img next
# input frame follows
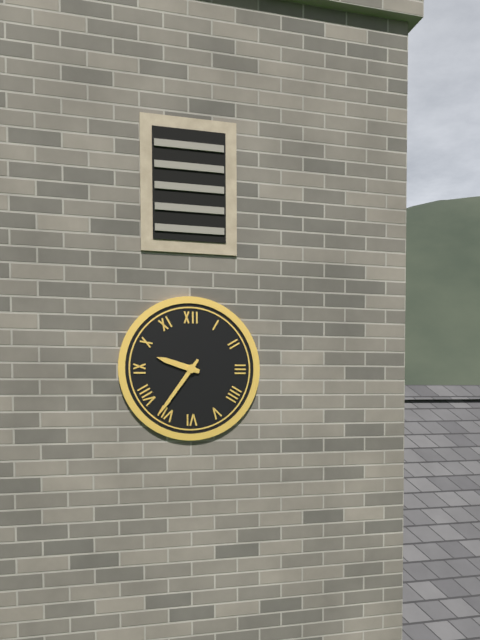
9h36
